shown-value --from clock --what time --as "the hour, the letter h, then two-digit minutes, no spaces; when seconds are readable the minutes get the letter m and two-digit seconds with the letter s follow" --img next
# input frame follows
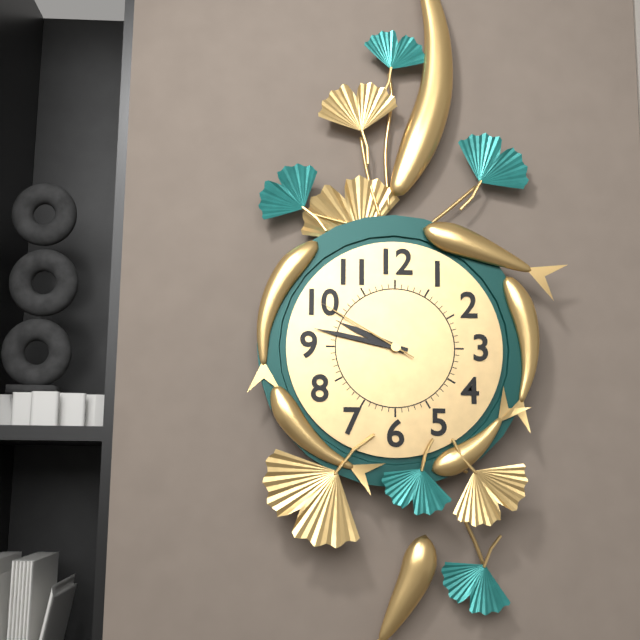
9h47m50s
